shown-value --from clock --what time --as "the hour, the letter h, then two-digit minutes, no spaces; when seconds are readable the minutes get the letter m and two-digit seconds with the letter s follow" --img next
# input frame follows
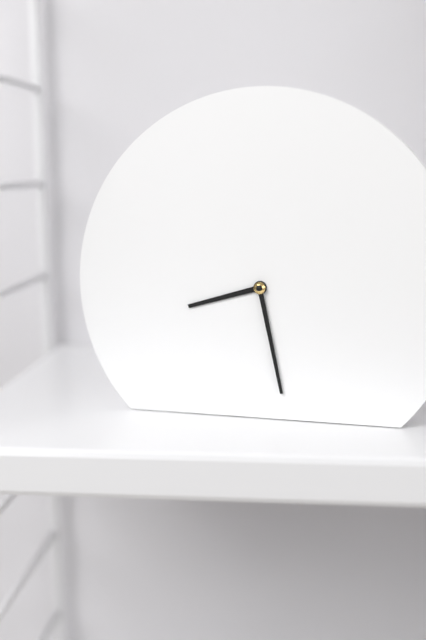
8h28
